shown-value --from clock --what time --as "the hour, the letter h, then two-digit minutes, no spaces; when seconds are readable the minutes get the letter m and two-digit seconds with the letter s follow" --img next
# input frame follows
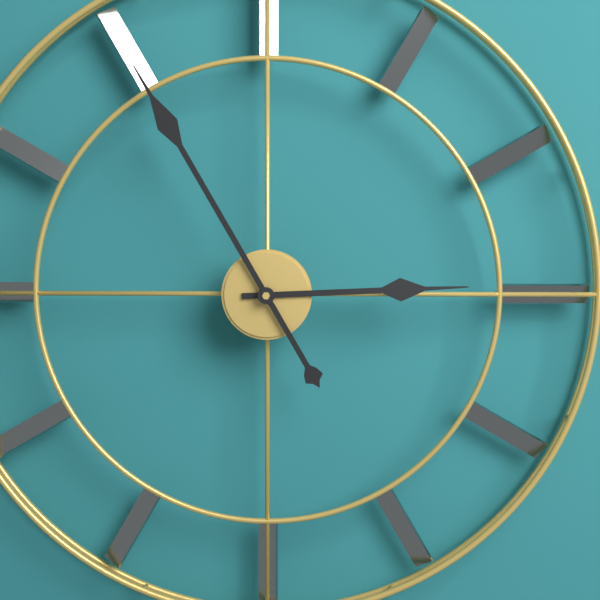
2h55
